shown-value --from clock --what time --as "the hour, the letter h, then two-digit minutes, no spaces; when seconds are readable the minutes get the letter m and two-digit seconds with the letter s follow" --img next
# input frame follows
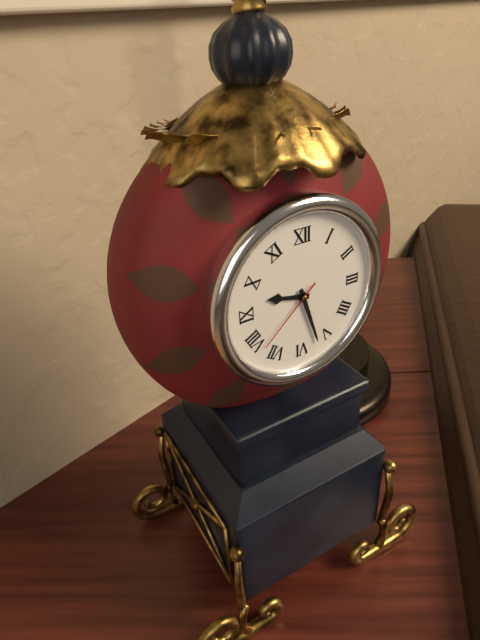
9h27m38s
